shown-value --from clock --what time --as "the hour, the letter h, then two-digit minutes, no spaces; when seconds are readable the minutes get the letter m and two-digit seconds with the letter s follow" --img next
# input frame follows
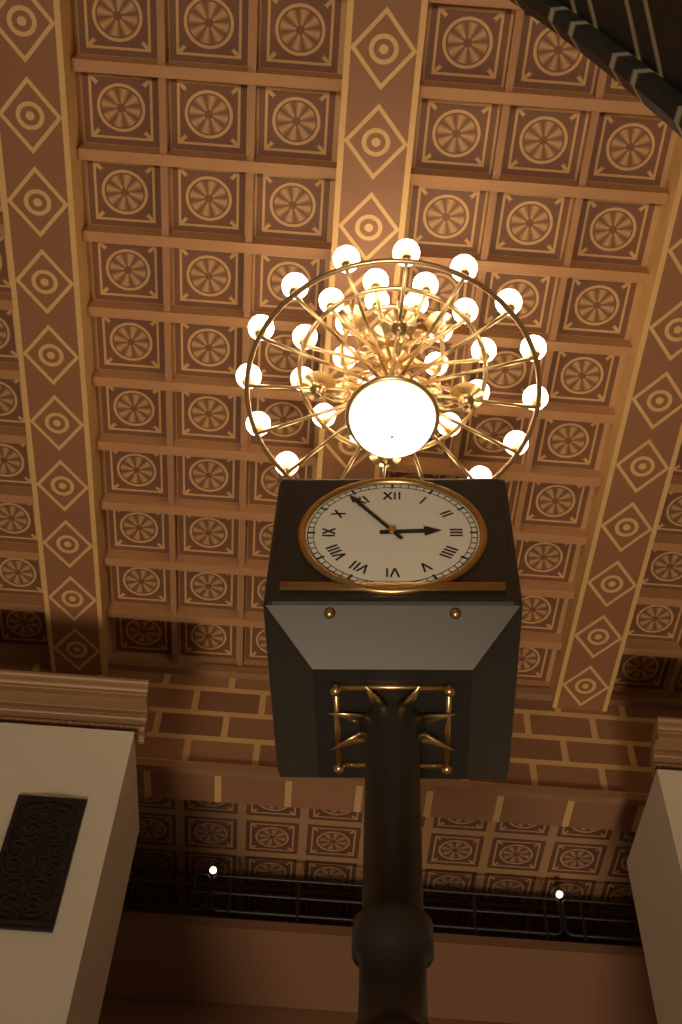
2h54
